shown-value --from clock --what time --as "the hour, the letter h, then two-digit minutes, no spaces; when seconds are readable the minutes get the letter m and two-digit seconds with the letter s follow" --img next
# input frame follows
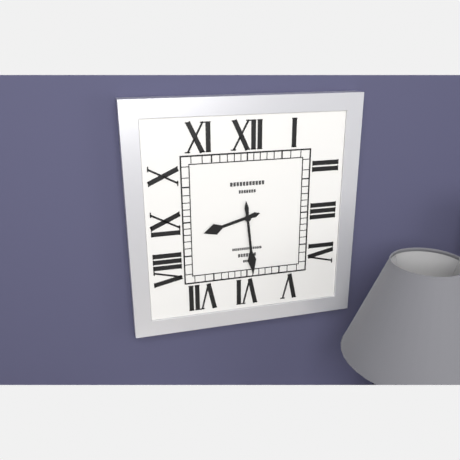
8h29
